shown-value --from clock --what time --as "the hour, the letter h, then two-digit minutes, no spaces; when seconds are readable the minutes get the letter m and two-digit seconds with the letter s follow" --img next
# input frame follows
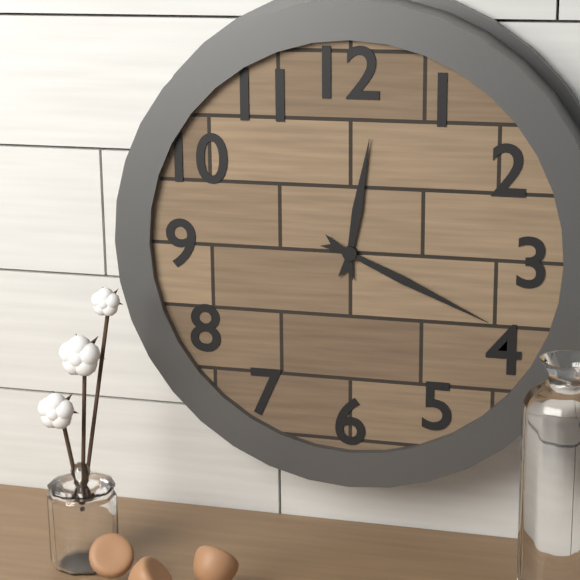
12h19
